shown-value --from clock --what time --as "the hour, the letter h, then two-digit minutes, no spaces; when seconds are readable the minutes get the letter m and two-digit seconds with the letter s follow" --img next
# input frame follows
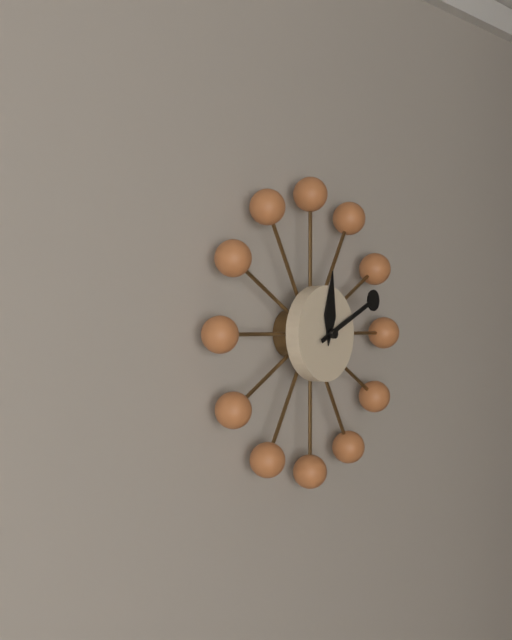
12h11
